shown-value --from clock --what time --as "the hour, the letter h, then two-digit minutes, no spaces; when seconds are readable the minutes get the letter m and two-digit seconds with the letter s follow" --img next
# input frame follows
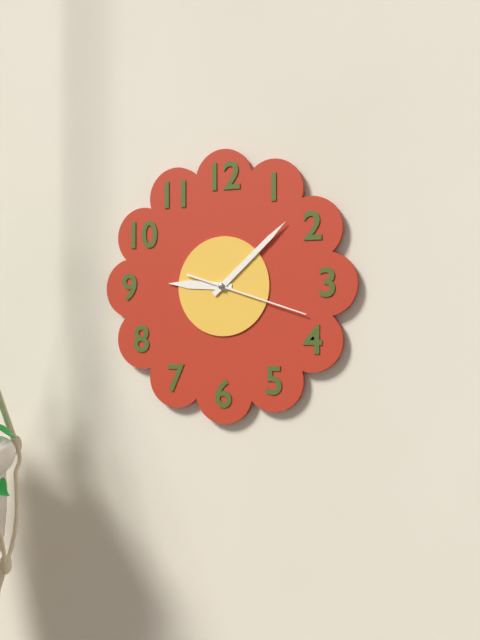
9h08m18s
